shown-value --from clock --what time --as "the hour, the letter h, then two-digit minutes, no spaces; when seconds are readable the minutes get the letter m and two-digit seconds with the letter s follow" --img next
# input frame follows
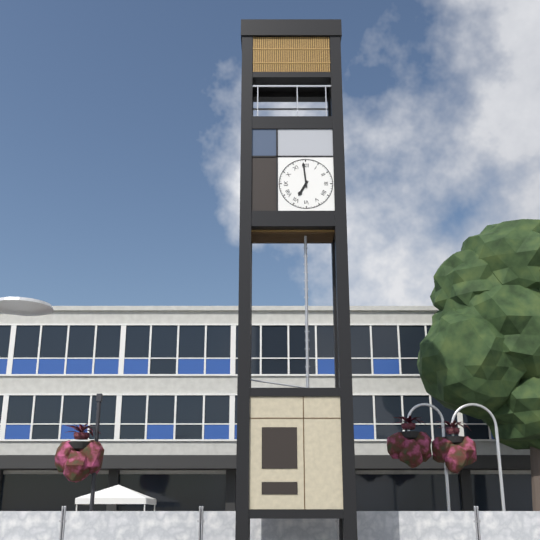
6h59
